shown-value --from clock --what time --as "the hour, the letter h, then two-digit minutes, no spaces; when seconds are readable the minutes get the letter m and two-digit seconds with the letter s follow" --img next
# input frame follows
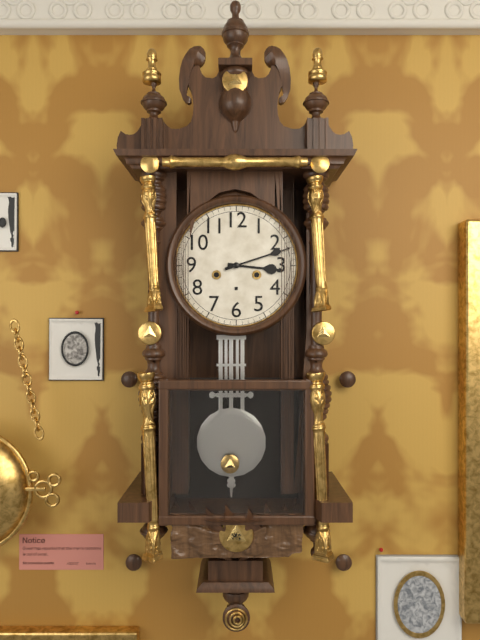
3h12
